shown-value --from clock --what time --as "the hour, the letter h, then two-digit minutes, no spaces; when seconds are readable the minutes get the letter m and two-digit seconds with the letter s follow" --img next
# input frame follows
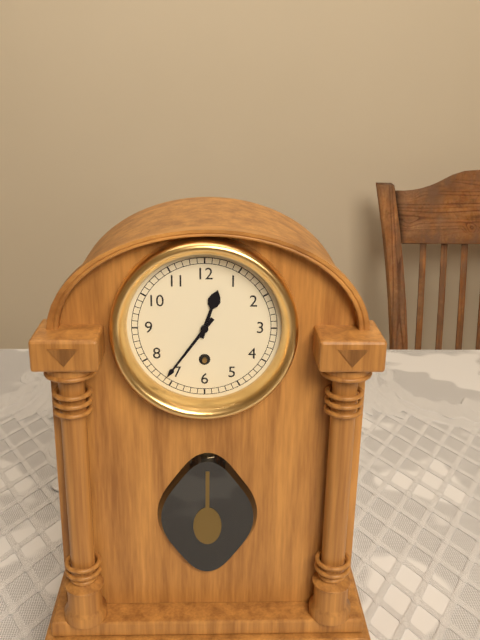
12h36
